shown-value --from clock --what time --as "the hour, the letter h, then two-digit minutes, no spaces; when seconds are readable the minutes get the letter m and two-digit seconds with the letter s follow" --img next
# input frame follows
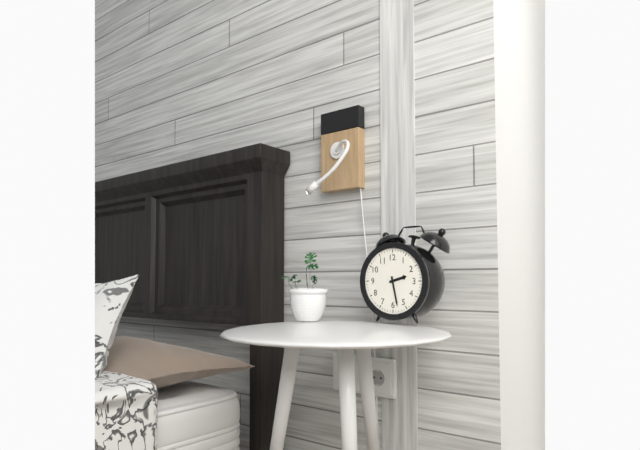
2h28
